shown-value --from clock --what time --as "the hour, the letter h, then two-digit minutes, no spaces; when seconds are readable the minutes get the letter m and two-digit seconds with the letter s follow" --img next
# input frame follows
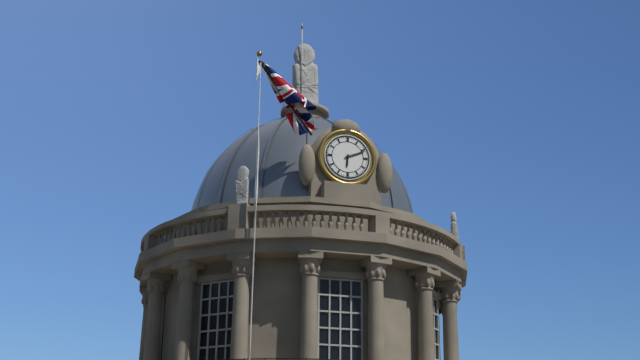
6h11
